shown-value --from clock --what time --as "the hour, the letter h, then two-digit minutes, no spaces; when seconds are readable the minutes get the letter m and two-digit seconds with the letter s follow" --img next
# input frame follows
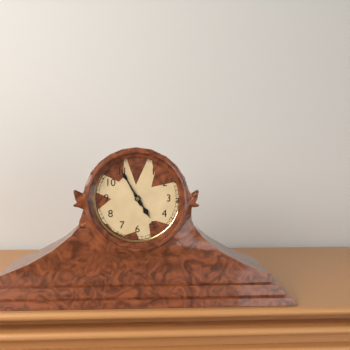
4h55
